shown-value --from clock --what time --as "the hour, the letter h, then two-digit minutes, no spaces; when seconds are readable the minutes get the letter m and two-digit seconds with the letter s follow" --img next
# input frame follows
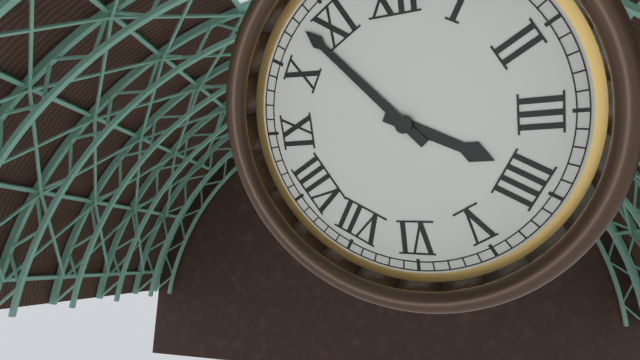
3h53
